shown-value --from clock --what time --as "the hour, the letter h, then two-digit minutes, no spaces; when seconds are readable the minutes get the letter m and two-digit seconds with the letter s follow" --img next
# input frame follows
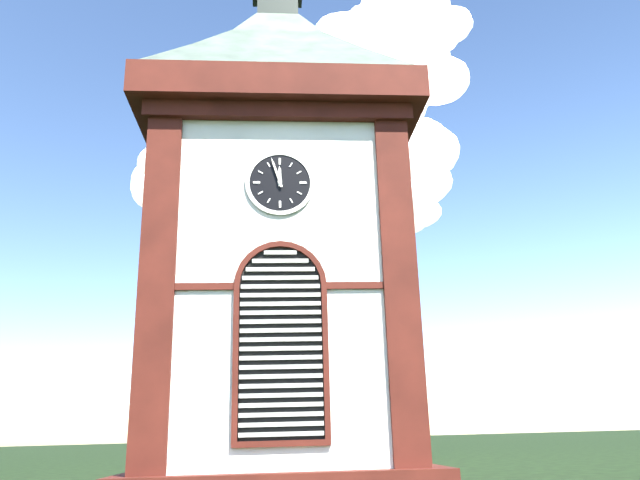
11h57
